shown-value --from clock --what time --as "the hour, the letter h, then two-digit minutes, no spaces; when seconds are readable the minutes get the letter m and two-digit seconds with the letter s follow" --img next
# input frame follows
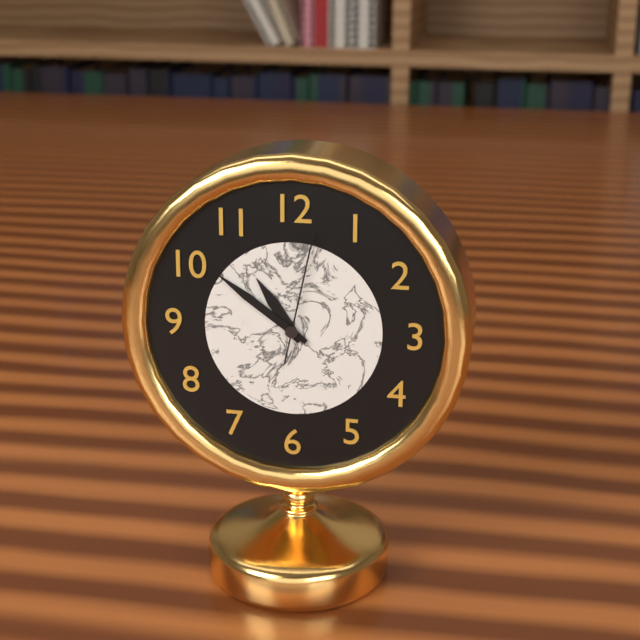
10h51m02s
